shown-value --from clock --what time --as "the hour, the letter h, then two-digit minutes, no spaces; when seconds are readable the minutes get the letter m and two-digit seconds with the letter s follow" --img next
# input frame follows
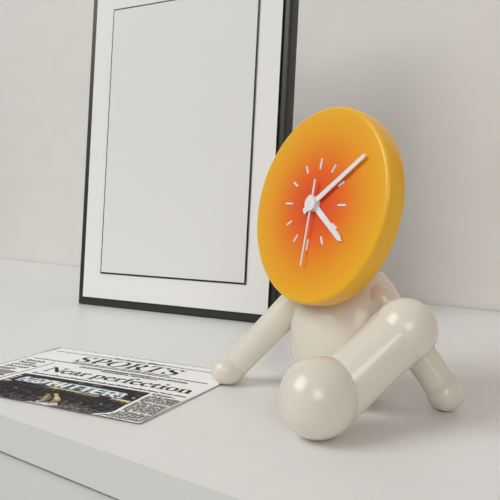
4h09m30s
